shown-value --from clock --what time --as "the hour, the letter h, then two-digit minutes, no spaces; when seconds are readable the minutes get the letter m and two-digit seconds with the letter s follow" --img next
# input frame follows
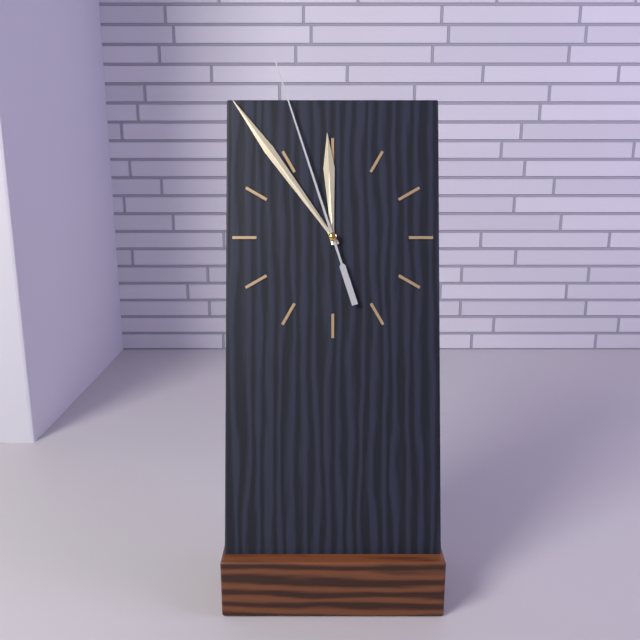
11h54m57s
